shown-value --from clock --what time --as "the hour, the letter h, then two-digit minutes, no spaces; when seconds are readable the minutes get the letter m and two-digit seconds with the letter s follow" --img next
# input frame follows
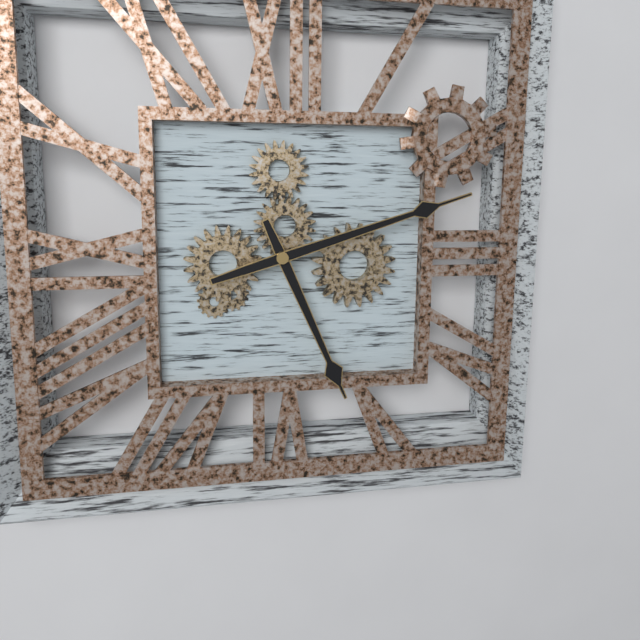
5h12
